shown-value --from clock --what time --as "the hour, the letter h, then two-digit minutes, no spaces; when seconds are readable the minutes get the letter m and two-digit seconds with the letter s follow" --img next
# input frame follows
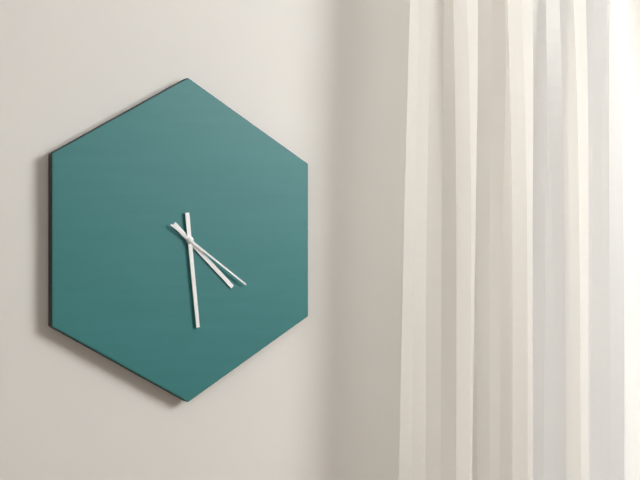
4h29m21s
